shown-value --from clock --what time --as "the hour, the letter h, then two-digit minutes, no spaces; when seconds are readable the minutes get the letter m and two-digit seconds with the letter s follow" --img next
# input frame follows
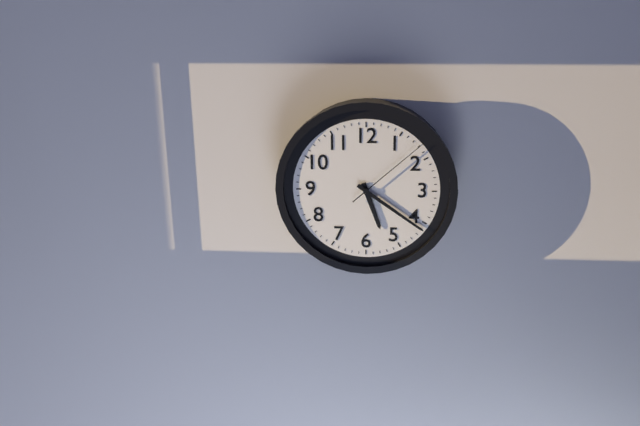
5h21m08s
